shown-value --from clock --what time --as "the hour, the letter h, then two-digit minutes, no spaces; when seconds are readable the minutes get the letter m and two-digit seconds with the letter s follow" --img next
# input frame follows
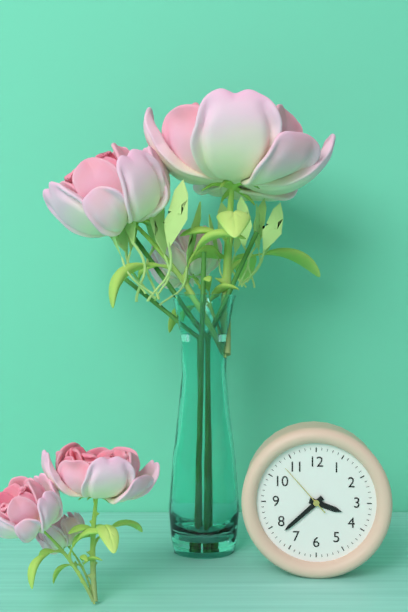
3h38m53s
